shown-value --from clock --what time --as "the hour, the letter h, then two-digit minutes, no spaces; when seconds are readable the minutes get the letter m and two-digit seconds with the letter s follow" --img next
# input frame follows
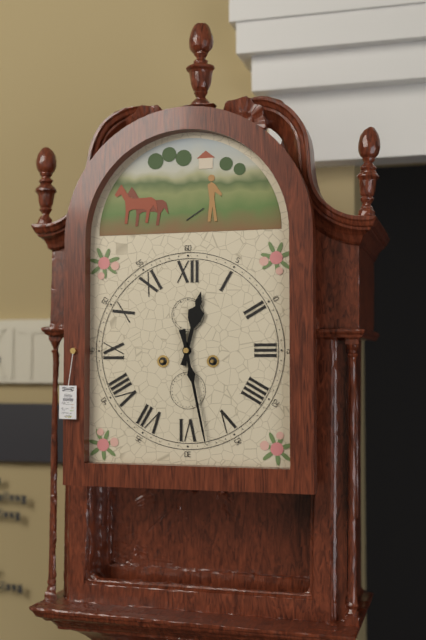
12h28
